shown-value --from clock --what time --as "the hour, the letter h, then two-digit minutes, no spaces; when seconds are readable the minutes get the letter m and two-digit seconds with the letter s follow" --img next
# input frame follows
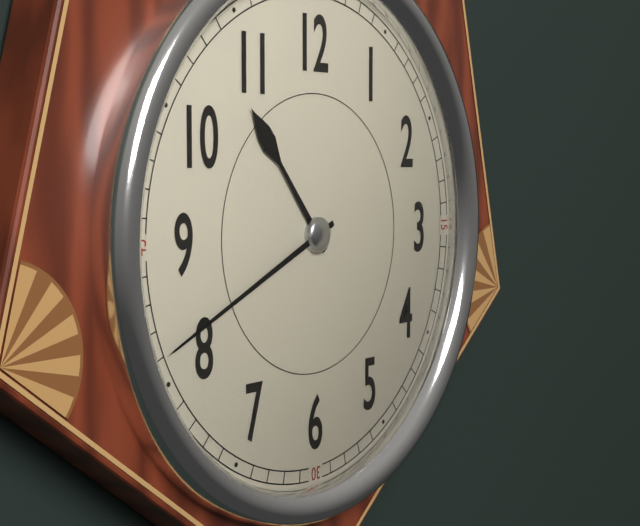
10h41
